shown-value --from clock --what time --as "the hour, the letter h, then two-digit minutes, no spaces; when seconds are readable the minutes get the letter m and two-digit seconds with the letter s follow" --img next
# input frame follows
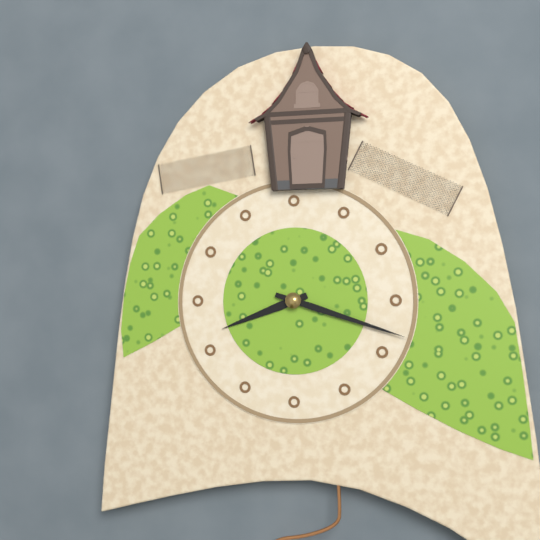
8h18
